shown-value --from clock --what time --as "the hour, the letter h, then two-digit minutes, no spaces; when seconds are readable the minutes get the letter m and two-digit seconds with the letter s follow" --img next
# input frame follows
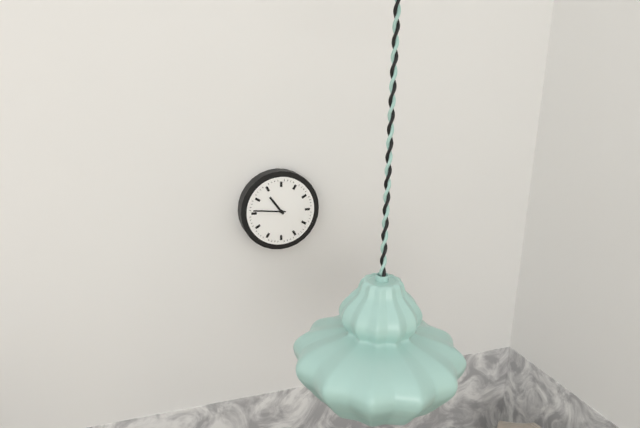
10h46
